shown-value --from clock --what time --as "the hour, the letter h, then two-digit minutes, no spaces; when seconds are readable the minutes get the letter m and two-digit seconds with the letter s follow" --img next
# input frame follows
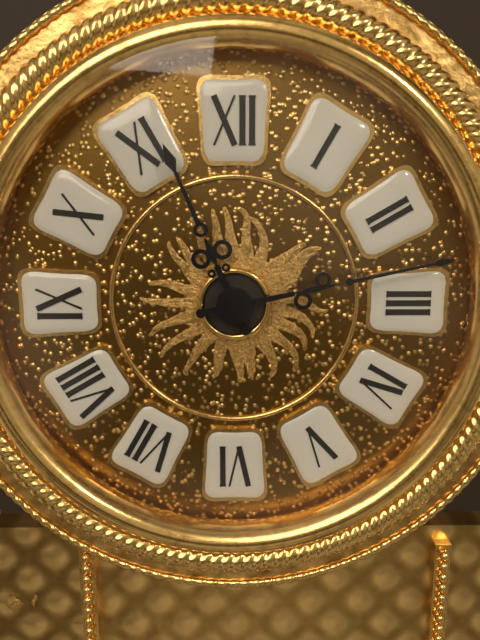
11h13
